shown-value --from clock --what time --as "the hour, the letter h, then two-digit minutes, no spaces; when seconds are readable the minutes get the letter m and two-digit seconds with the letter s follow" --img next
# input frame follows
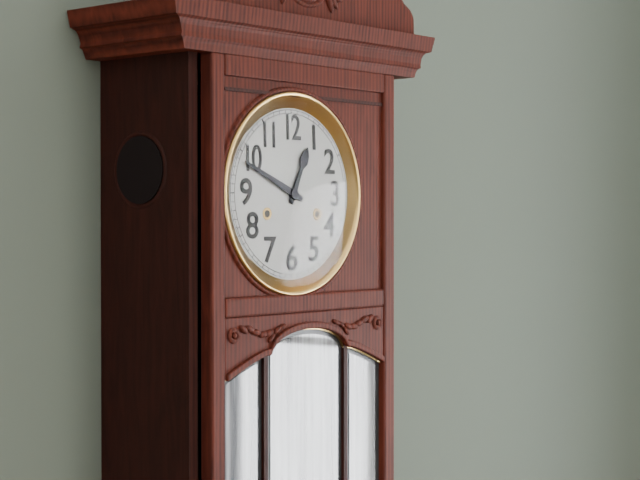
12h49
